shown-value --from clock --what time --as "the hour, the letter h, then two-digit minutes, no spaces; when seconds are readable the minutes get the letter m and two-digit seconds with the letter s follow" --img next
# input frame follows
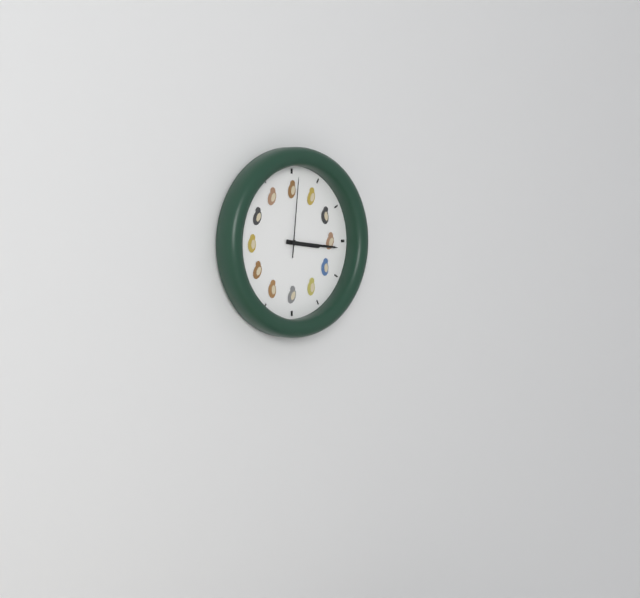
3h16m01s
